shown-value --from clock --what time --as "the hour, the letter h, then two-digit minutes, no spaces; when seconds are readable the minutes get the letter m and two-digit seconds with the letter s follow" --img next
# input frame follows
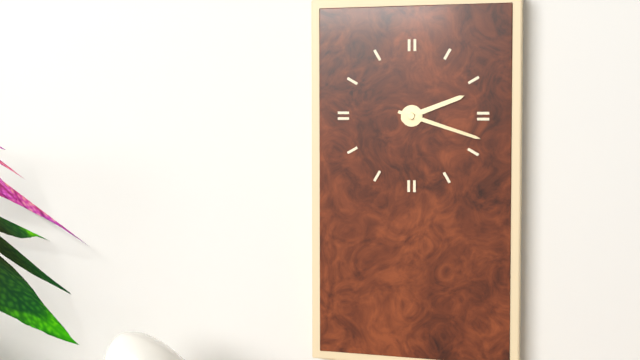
2h18
